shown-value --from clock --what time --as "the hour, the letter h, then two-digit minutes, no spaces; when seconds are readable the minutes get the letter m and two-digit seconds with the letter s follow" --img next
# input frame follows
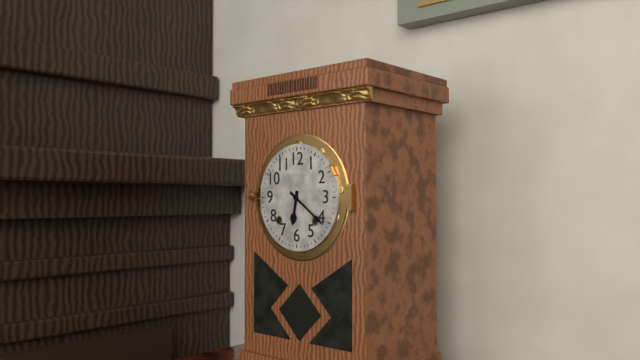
6h21
